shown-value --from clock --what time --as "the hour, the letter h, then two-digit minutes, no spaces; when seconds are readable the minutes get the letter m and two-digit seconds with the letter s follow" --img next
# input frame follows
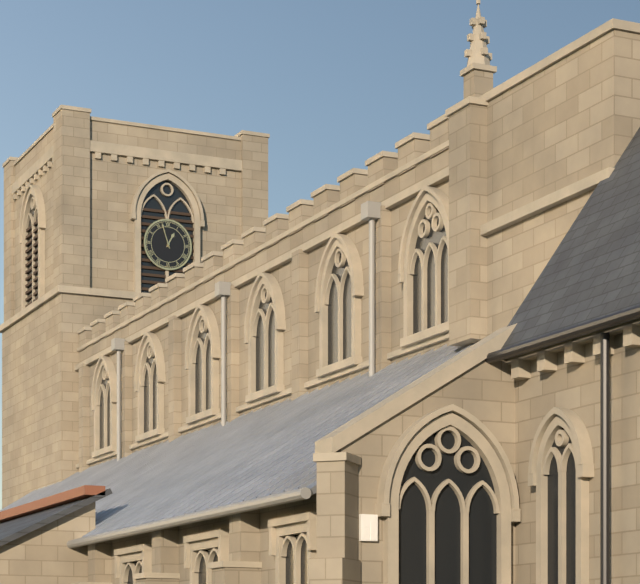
12h57
